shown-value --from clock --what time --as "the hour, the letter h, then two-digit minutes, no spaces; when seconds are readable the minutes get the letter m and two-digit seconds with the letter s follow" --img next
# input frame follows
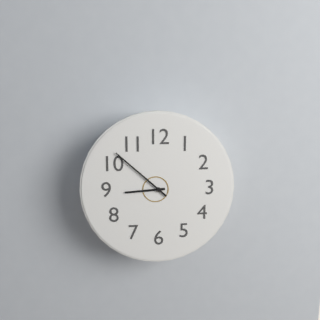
8h52
